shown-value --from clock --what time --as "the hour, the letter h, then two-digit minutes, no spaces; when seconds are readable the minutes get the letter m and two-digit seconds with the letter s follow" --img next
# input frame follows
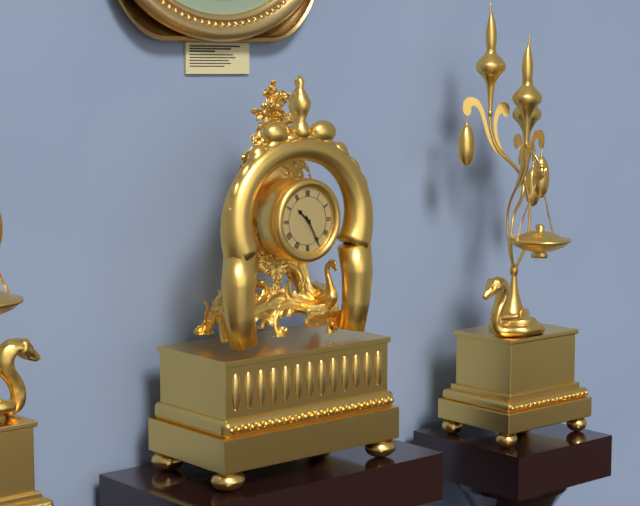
10h25
